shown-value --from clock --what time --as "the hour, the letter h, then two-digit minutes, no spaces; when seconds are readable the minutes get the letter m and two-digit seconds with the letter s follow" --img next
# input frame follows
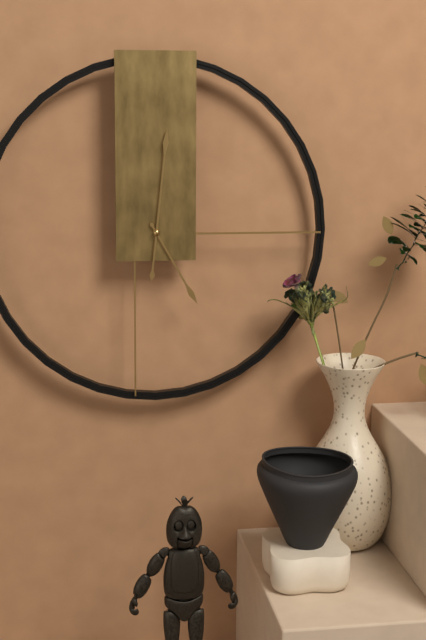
5h01
